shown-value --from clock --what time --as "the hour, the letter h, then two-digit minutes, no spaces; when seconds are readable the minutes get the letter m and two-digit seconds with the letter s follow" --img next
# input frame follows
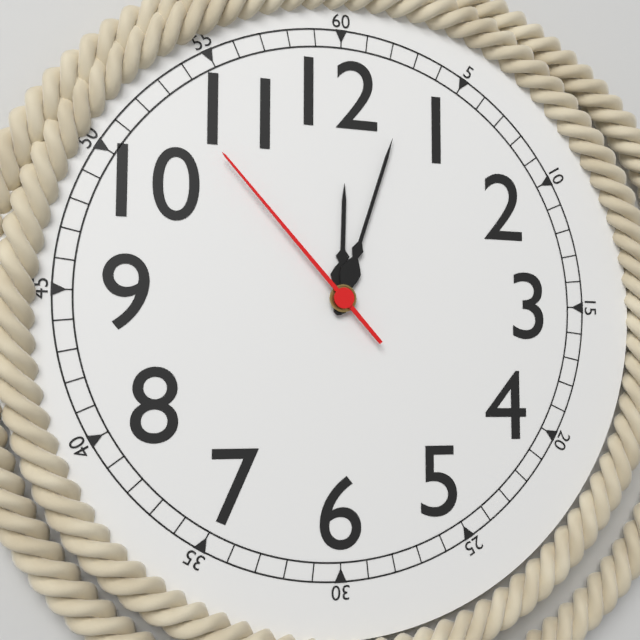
12h03m53s
